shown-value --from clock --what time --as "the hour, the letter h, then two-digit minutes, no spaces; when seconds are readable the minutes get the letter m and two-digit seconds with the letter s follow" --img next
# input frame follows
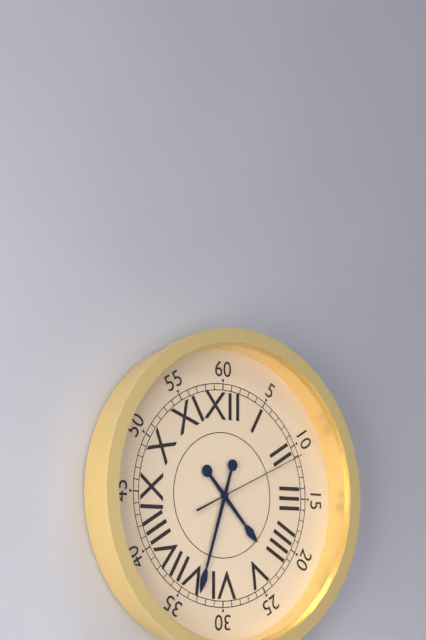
4h33m11s
